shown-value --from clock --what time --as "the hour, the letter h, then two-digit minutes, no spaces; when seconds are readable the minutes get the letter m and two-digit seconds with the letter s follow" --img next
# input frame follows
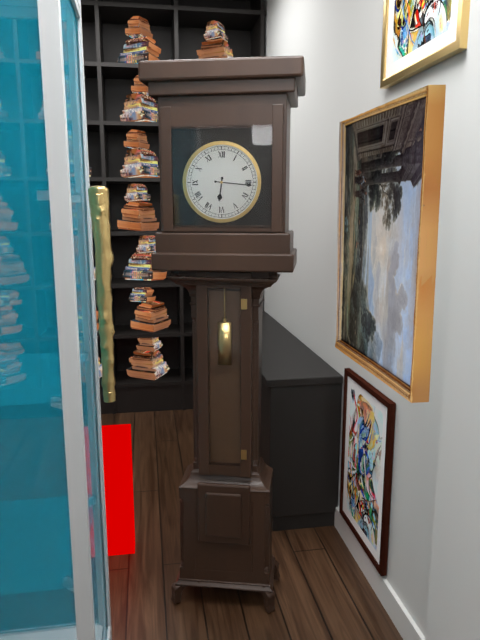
6h16
